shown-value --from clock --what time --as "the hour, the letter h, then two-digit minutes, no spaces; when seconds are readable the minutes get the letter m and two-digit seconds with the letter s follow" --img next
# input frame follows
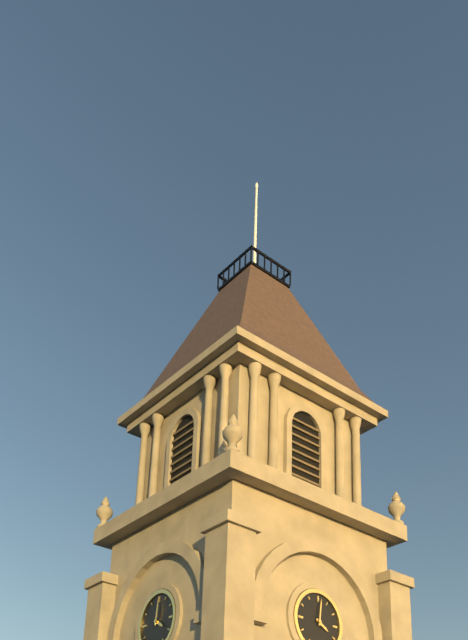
4h01
